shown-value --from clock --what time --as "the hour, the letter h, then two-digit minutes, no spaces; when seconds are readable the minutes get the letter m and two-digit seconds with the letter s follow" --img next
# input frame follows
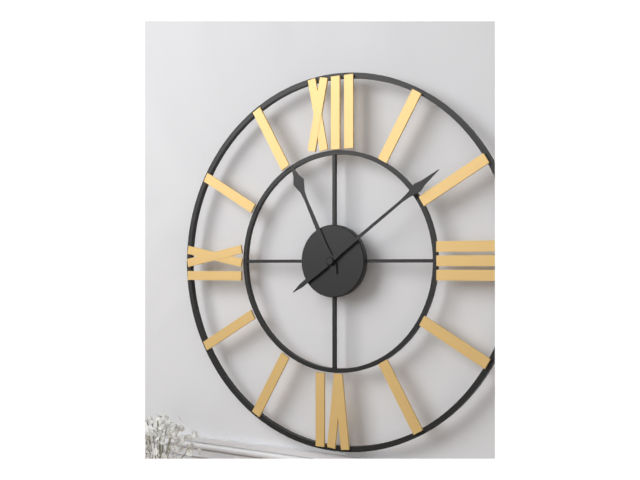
11h09
